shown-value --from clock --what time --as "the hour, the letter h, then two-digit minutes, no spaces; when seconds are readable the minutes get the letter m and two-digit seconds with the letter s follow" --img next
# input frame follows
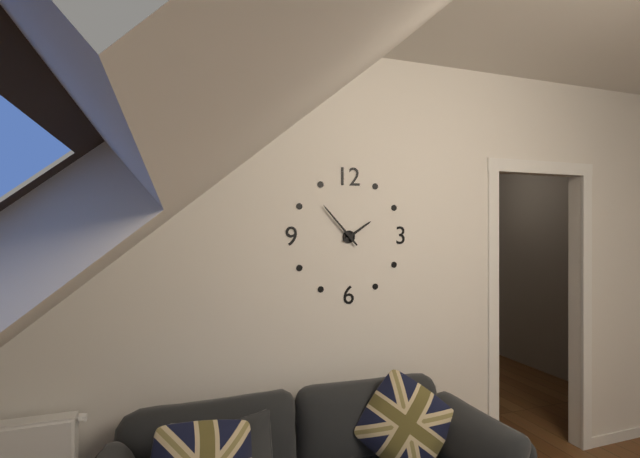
1h53
